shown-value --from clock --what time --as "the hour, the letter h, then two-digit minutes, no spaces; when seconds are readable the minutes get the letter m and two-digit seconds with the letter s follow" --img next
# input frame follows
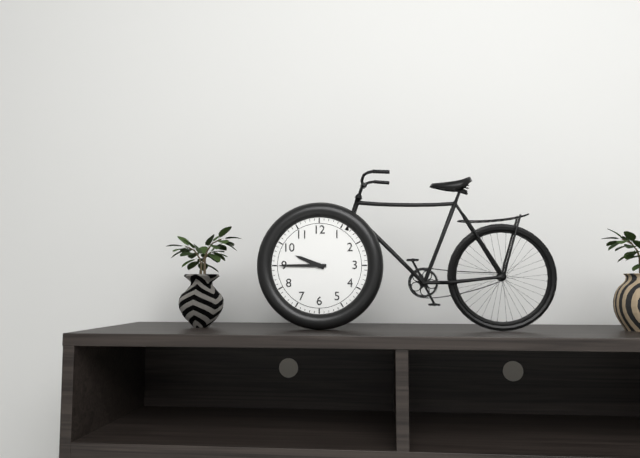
9h45
